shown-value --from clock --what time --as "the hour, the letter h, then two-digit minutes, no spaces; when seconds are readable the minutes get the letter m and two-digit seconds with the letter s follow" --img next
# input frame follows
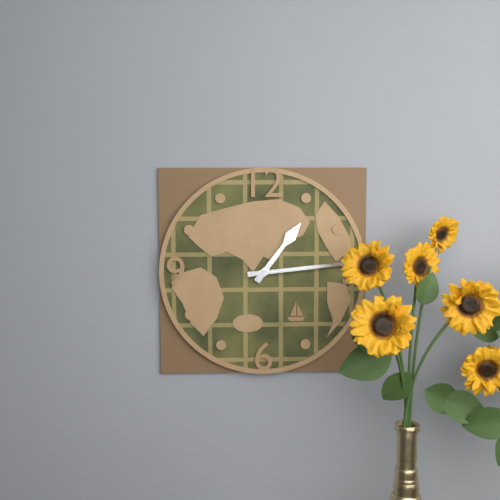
1h14
